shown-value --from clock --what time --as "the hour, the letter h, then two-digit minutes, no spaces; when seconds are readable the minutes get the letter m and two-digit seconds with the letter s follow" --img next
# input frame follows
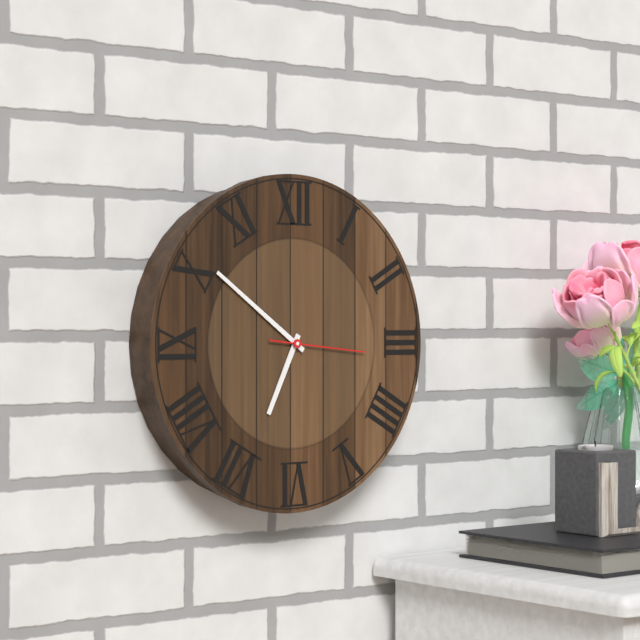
6h51m16s
